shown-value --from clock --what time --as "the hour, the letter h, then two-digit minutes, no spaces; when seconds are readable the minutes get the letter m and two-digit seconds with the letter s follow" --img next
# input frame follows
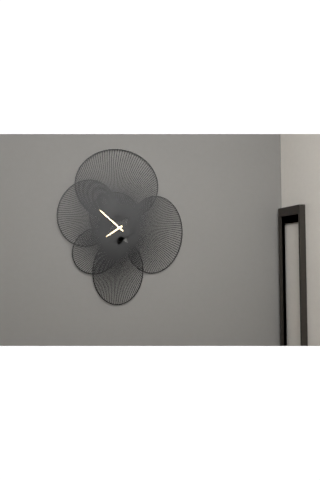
7h52
